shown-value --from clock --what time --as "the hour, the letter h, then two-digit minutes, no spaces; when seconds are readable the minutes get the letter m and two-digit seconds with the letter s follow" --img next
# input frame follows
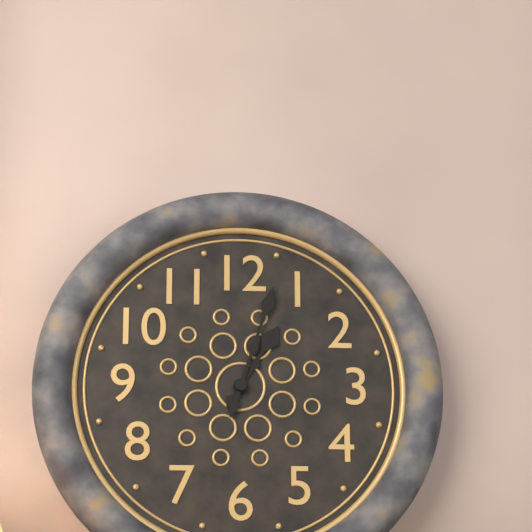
1h03
